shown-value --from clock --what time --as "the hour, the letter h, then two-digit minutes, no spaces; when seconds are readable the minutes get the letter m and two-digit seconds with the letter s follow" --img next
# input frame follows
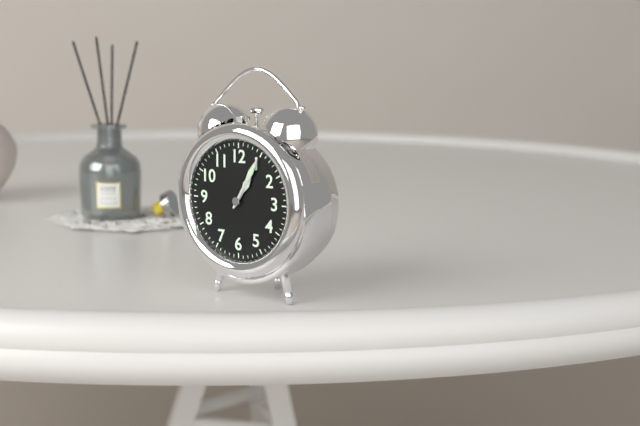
1h05
